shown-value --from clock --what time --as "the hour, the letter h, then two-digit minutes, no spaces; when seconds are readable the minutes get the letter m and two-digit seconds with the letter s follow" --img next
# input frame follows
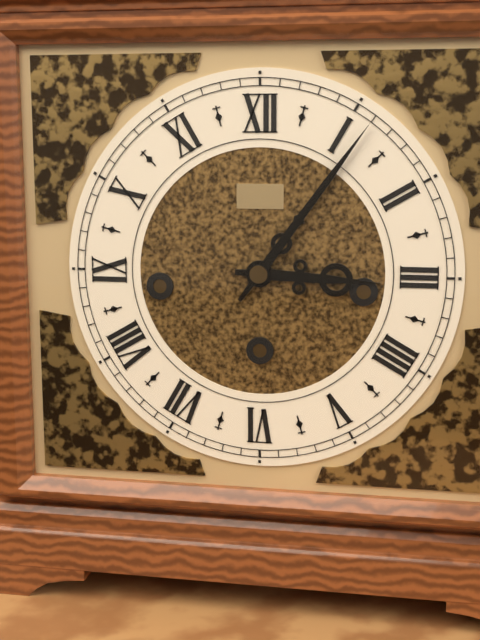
3h06
